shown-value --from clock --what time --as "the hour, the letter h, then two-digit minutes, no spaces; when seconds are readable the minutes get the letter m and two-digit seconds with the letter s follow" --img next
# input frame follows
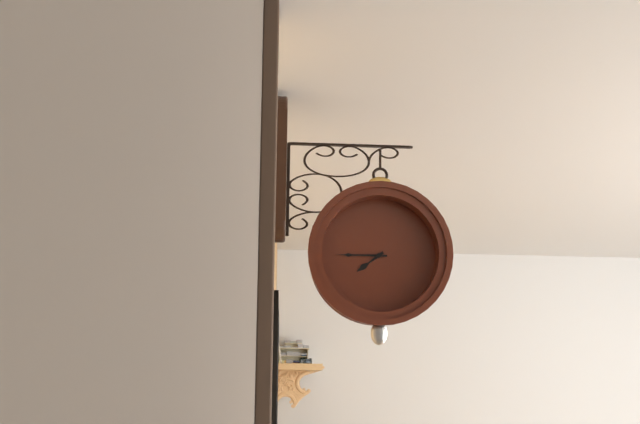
7h45
